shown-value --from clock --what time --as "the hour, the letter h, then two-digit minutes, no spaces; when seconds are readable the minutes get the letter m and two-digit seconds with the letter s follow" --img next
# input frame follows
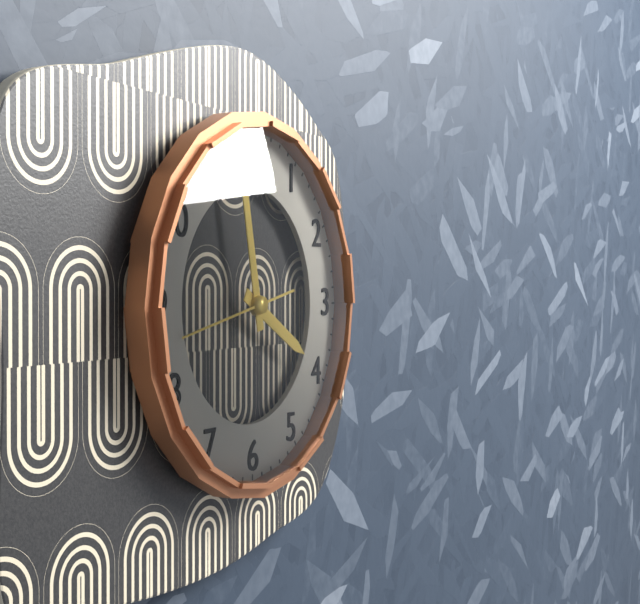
3h58m43s
